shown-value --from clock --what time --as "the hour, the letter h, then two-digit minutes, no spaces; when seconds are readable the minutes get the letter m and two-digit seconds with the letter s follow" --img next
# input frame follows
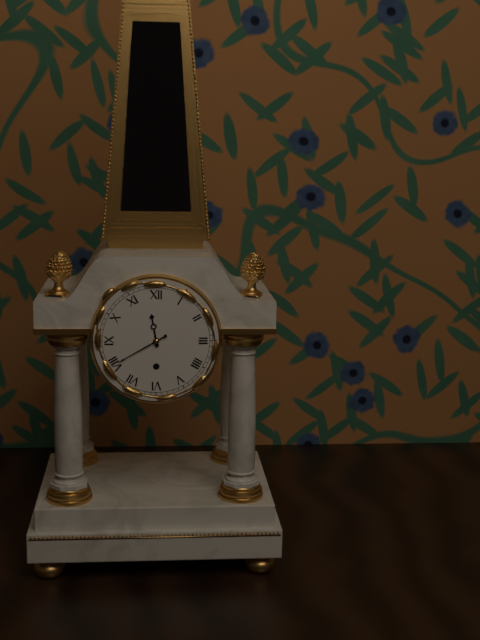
11h40
